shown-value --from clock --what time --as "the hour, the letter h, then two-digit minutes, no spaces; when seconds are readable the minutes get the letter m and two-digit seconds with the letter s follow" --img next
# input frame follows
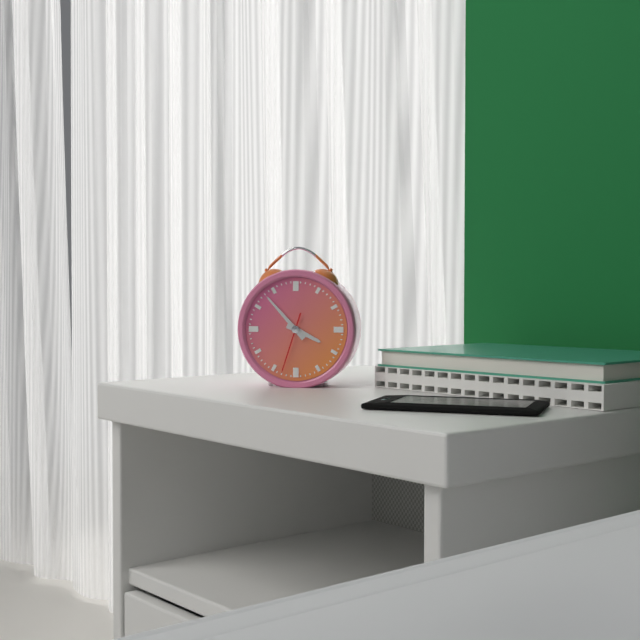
3h53m33s
